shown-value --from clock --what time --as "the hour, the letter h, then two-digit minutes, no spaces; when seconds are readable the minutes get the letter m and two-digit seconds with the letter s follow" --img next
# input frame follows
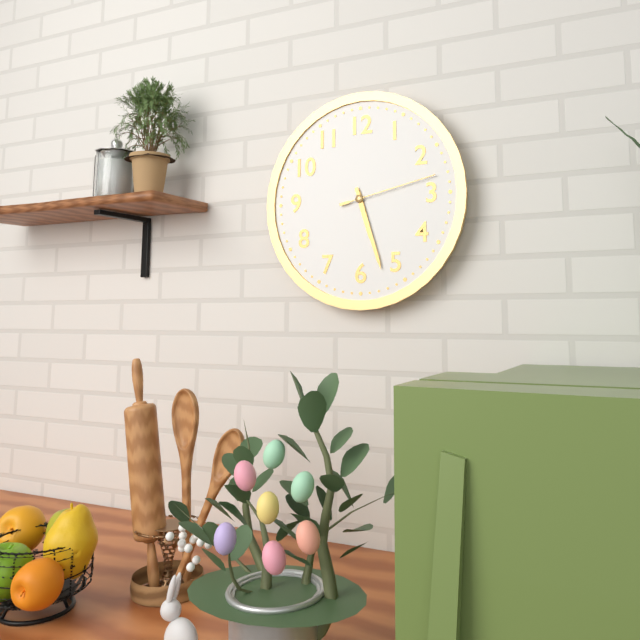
5h27m13s
